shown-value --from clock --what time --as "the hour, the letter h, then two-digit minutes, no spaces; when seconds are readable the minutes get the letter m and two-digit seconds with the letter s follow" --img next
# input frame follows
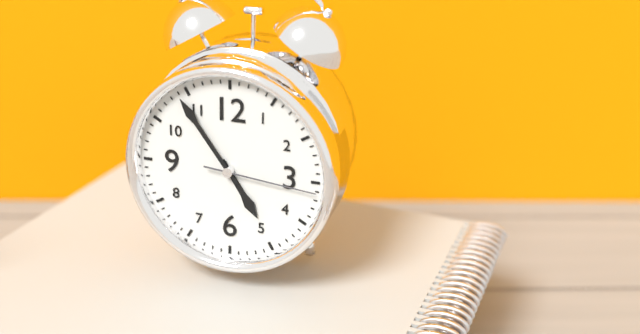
4h54m16s
